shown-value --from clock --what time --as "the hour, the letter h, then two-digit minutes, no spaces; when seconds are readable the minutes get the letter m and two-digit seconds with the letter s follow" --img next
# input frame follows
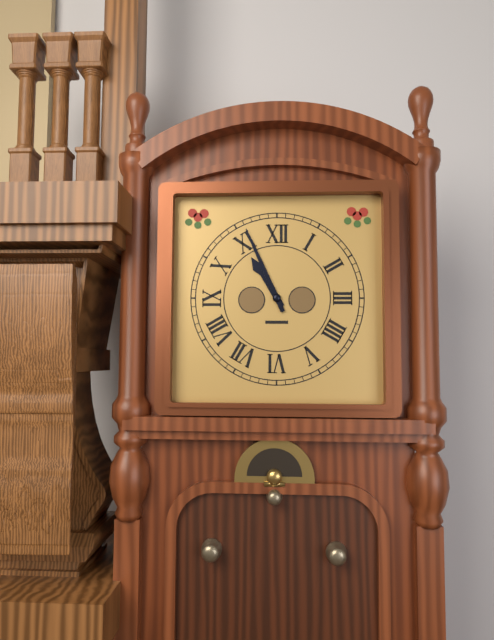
10h56
